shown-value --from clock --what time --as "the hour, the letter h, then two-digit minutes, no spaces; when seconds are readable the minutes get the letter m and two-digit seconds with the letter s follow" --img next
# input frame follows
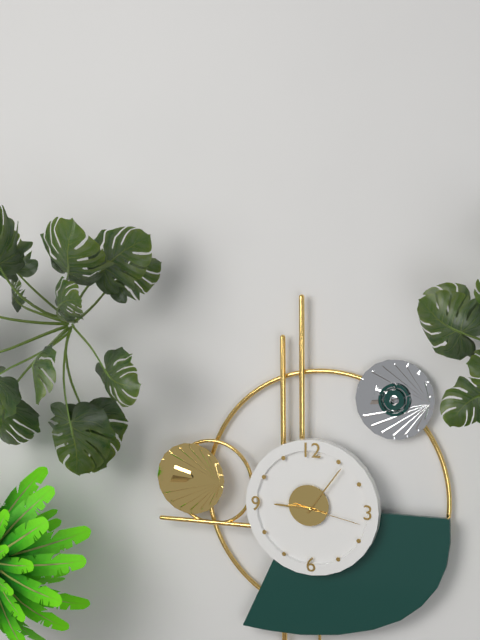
9h06m17s
